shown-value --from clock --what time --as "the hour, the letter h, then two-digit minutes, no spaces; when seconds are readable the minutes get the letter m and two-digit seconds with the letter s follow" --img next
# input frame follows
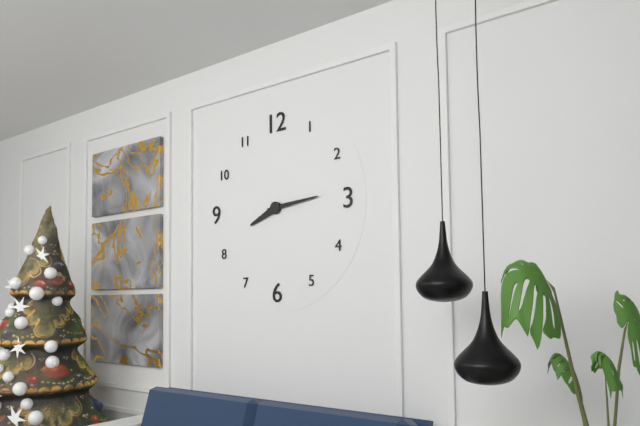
8h14
